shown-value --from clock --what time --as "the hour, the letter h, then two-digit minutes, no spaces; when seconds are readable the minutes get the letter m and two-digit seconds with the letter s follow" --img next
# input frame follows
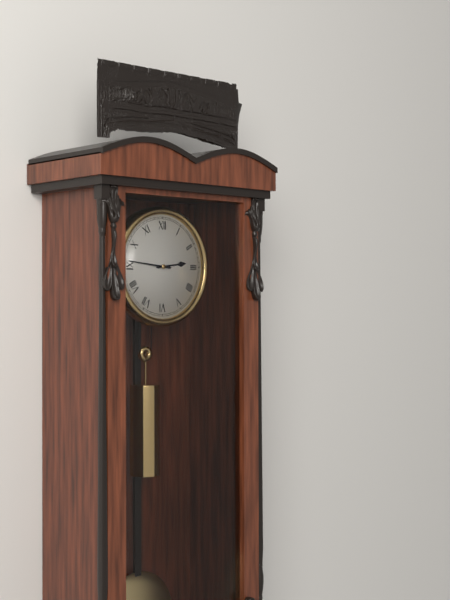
2h46
